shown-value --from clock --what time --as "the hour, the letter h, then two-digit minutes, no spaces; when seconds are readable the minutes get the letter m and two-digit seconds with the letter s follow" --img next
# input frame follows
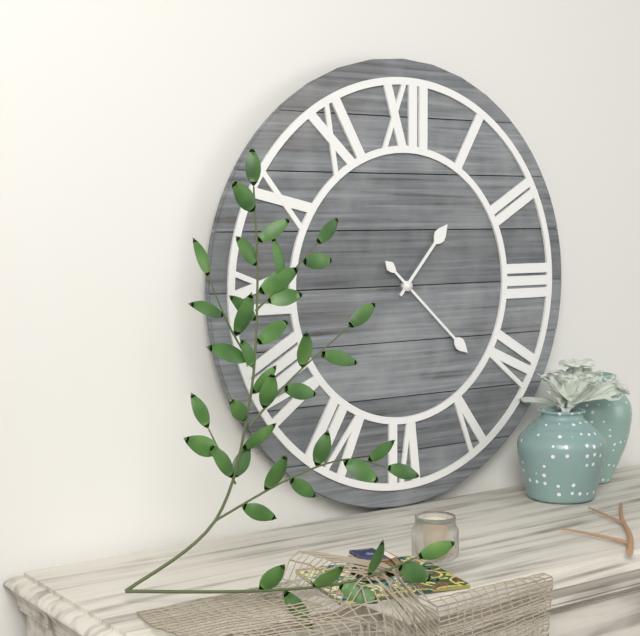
1h22
